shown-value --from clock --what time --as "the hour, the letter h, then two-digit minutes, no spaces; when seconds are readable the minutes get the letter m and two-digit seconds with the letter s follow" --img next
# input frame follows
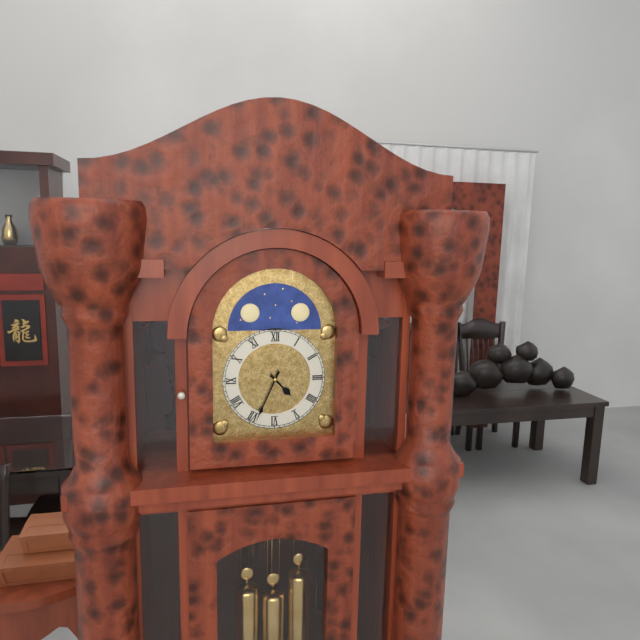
4h34
